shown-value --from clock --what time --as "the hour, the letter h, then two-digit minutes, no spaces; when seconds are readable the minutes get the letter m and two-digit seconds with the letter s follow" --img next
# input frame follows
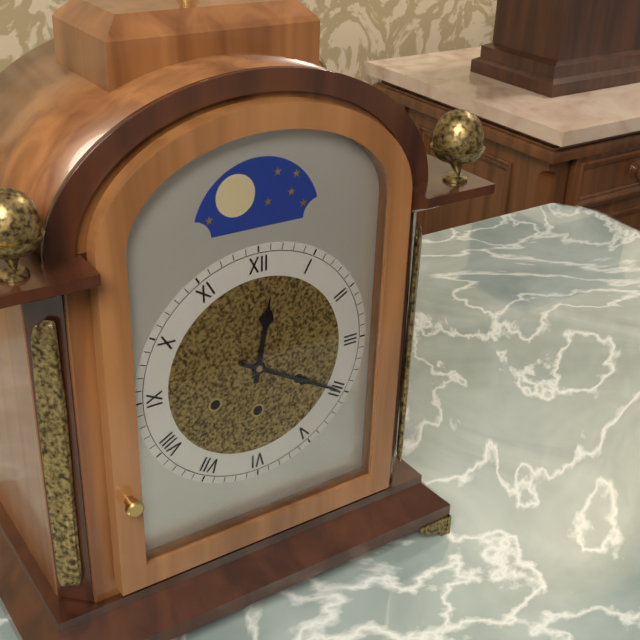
12h20
